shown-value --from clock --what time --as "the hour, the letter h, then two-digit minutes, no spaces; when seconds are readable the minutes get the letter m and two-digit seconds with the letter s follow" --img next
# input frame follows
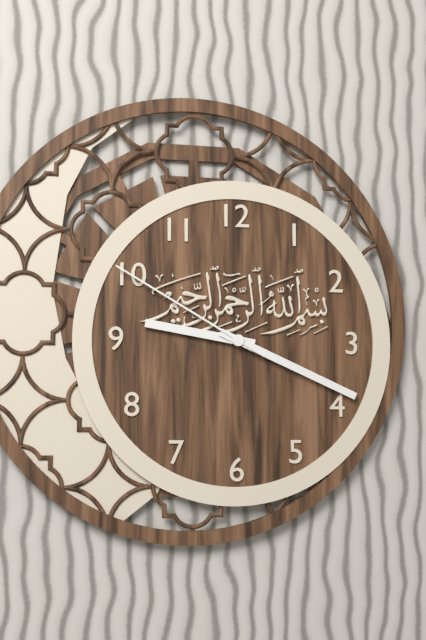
9h19m50s
